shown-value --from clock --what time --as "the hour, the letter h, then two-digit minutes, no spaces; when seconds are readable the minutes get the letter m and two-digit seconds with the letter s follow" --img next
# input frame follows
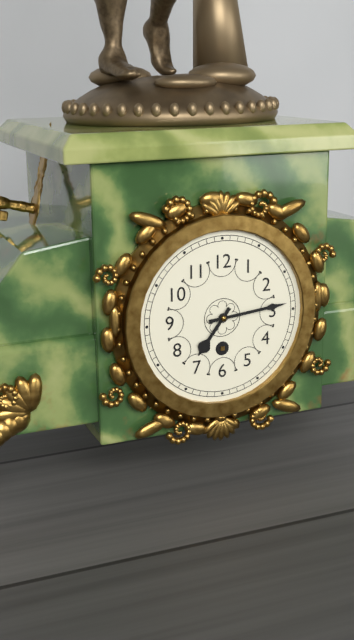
7h14
